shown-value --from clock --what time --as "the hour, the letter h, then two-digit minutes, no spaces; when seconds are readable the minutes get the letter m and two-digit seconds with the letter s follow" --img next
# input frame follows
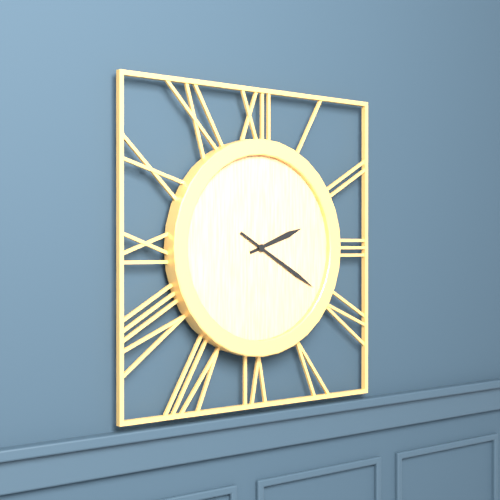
2h20
